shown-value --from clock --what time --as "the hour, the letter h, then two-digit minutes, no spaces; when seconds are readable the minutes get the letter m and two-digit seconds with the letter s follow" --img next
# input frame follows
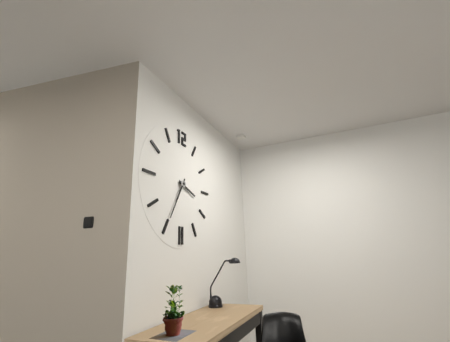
3h35
